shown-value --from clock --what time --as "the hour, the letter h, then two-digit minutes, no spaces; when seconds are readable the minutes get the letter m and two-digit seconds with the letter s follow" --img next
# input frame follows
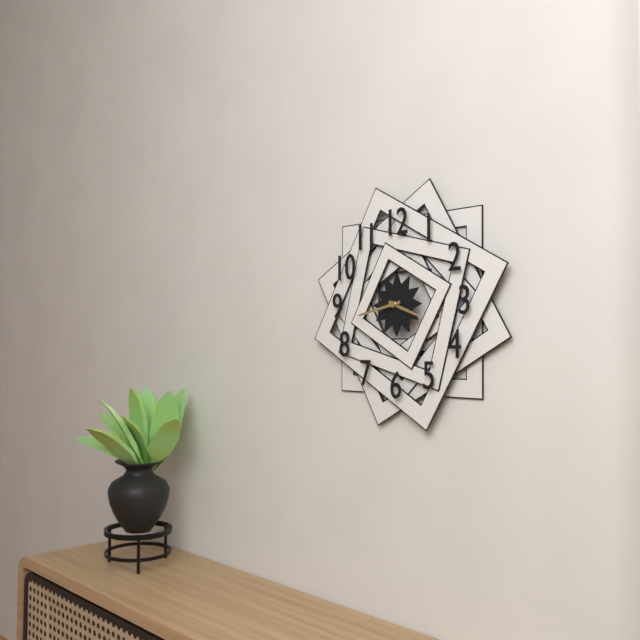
3h43
